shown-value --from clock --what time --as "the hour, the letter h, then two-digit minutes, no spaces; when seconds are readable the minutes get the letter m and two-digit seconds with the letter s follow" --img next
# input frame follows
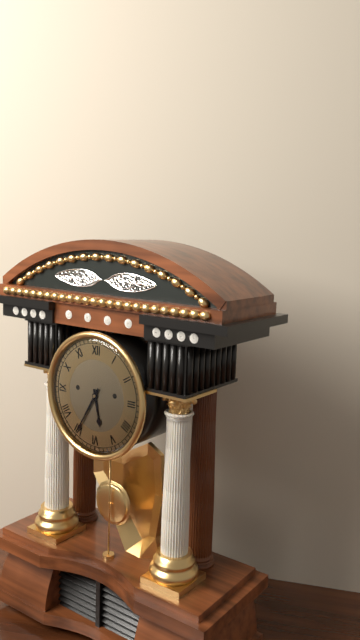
5h35
